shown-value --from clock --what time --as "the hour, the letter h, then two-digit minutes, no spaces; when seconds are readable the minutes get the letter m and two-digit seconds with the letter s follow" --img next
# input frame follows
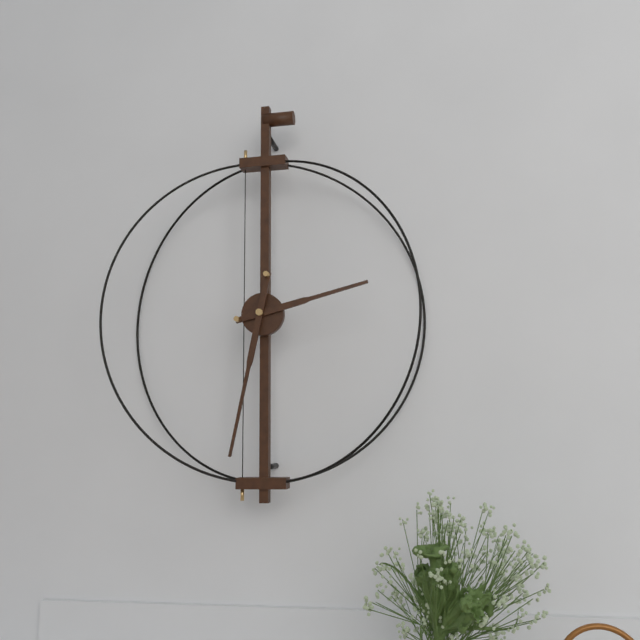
2h32
